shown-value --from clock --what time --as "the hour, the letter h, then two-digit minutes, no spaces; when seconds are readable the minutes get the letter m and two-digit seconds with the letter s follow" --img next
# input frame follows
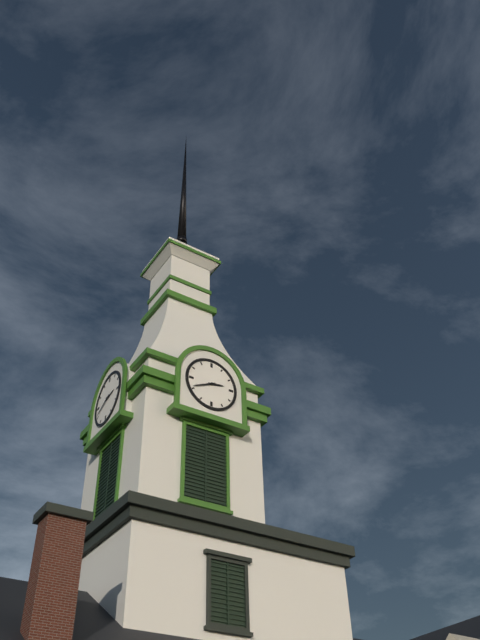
2h41
